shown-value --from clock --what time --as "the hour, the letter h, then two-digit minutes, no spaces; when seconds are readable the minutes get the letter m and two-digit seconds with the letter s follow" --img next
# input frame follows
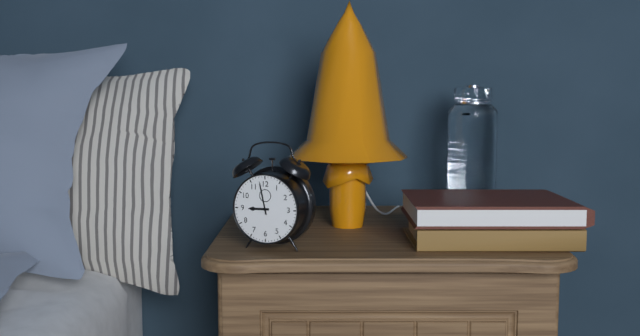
8h58
